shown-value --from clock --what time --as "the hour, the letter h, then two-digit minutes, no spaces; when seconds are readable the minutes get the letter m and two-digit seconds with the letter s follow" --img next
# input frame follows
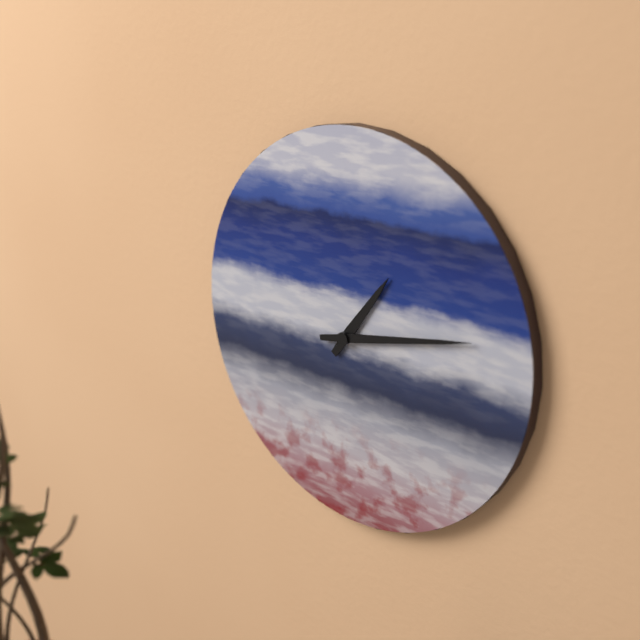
1h13
